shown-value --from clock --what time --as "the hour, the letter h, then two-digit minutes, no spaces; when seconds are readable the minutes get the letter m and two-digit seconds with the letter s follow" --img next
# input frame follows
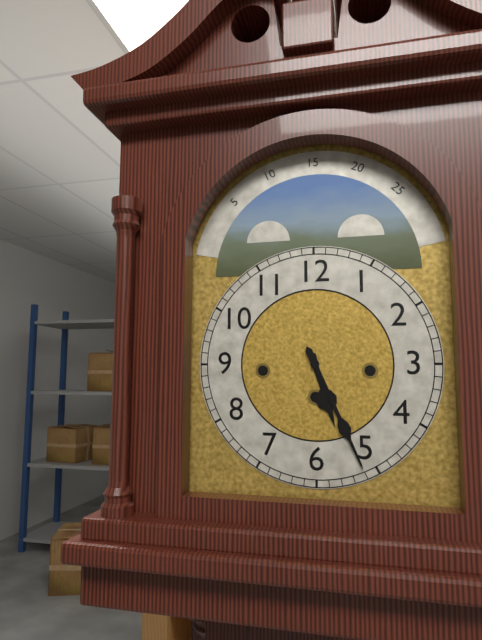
5h26
